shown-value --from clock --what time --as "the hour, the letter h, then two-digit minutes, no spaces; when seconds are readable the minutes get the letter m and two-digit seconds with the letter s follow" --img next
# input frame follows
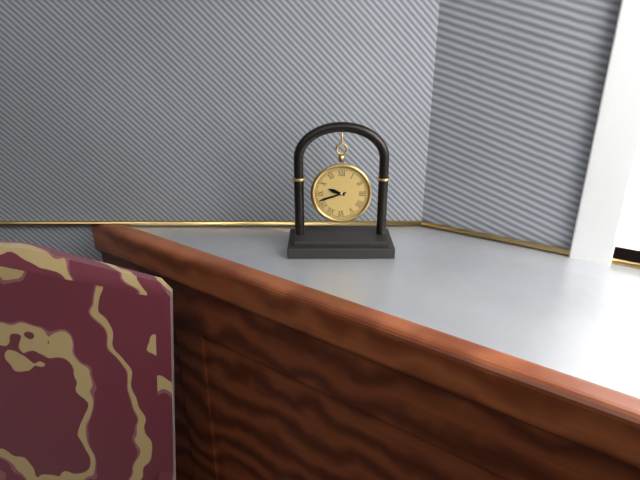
9h42
